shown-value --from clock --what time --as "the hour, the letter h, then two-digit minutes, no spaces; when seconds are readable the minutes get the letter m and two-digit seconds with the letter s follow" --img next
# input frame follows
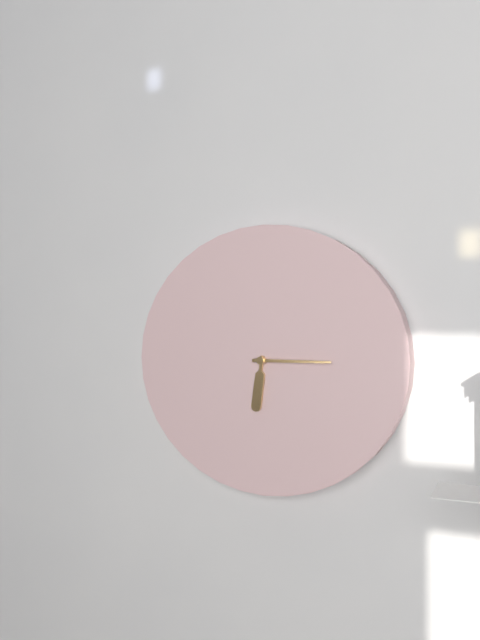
6h15
